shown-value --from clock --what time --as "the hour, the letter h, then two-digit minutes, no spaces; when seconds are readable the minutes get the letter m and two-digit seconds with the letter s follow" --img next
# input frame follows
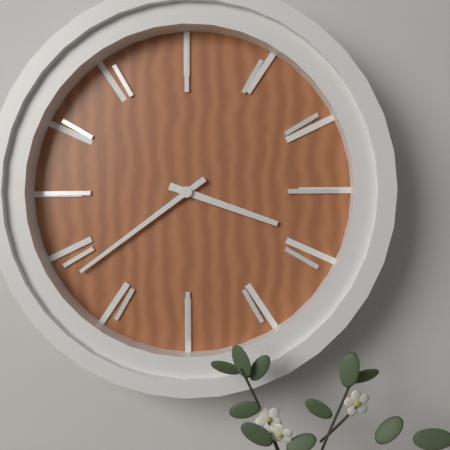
3h39
